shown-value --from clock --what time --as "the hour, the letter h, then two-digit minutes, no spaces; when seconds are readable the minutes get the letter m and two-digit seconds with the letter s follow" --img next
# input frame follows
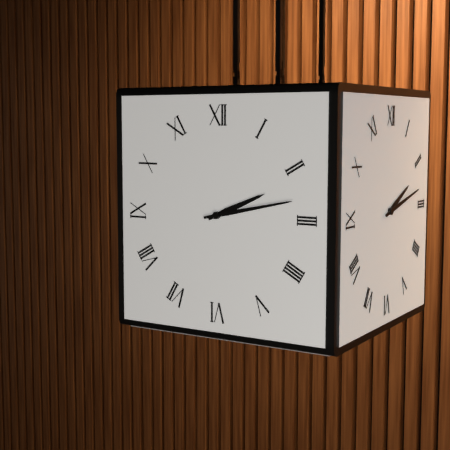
2h13
